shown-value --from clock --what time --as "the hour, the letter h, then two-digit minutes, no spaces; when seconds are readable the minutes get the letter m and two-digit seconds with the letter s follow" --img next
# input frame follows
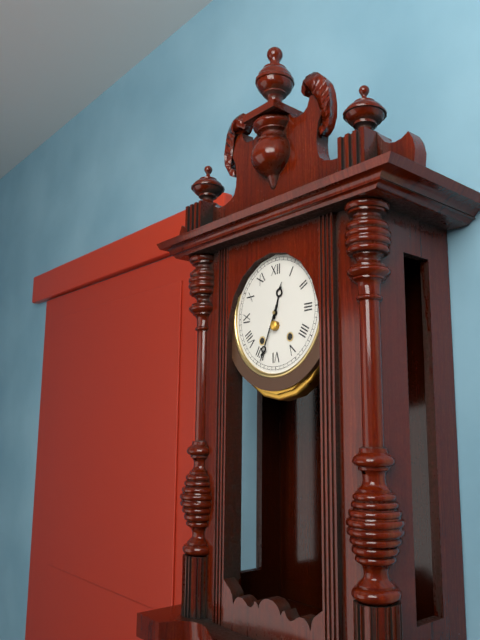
12h34
